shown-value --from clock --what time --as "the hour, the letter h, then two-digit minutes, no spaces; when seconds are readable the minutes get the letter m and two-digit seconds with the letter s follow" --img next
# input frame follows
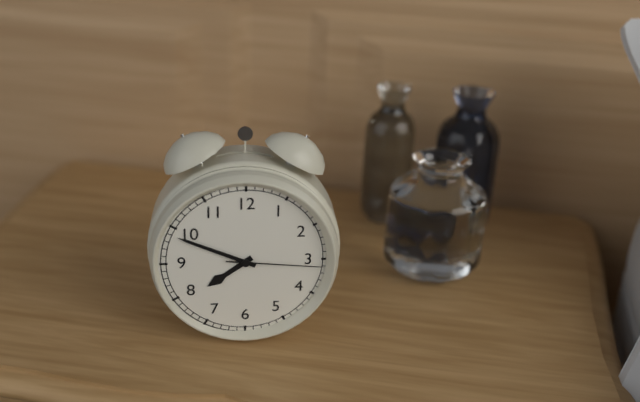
7h49m16s
